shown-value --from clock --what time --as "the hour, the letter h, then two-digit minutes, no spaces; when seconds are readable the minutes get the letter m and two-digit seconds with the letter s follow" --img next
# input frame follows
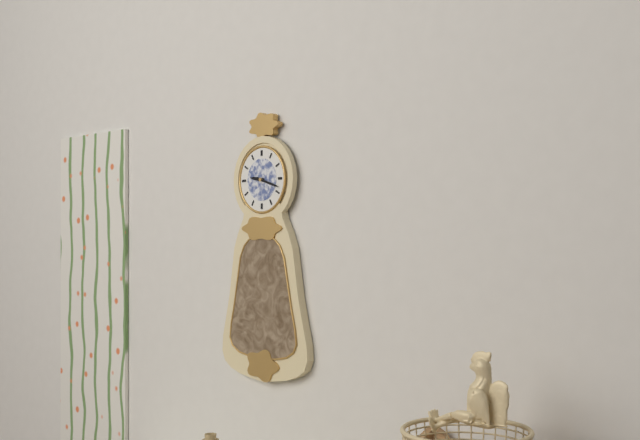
9h18
